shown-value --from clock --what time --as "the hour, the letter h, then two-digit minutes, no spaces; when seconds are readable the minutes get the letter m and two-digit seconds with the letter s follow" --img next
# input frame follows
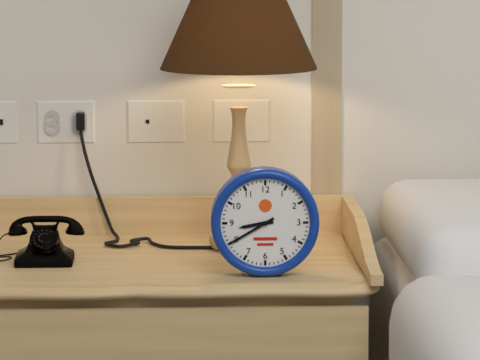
8h40
